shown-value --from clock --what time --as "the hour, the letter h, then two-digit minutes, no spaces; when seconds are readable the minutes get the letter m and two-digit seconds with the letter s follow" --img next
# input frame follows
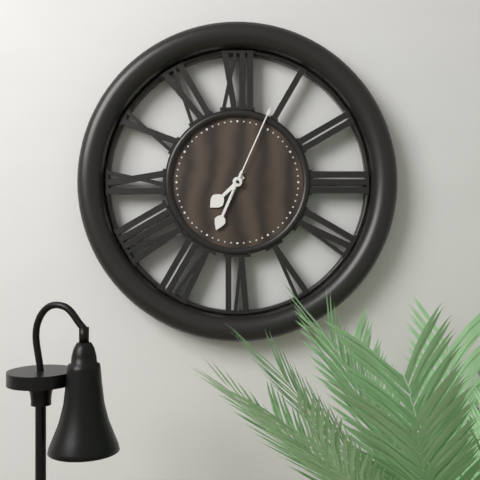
7h34m04s
